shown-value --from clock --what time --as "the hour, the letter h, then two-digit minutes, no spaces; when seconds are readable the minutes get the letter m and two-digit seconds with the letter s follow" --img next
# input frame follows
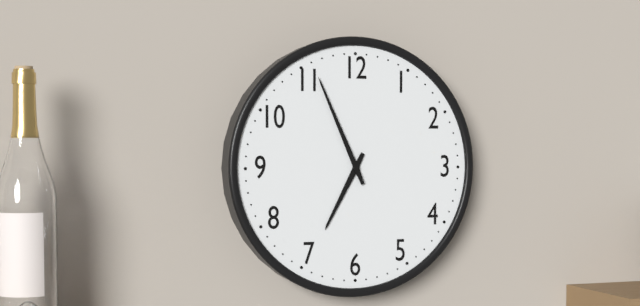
6h56
